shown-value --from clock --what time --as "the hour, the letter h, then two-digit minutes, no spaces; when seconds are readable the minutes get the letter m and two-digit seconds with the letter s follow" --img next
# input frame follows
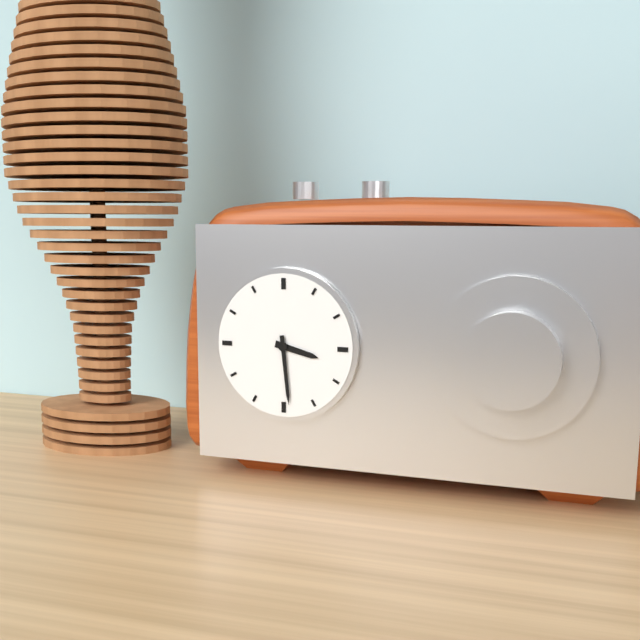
3h29
